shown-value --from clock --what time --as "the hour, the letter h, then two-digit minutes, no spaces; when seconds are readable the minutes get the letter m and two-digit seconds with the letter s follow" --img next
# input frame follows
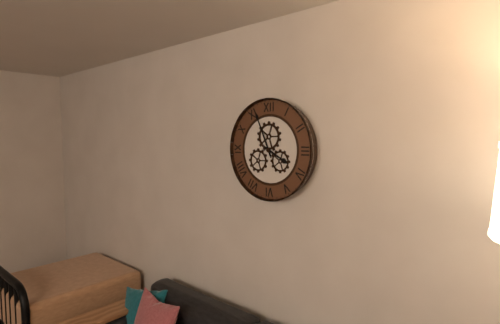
3h56
